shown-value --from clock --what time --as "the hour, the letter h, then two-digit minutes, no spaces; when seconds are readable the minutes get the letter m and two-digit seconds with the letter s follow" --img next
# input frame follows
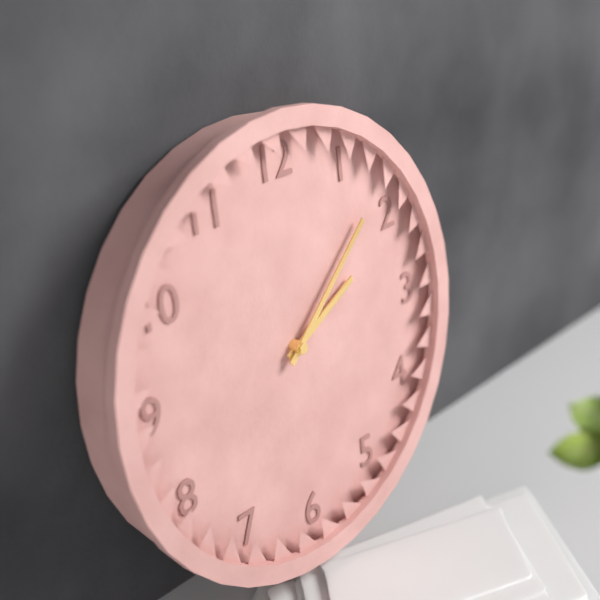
2h08
